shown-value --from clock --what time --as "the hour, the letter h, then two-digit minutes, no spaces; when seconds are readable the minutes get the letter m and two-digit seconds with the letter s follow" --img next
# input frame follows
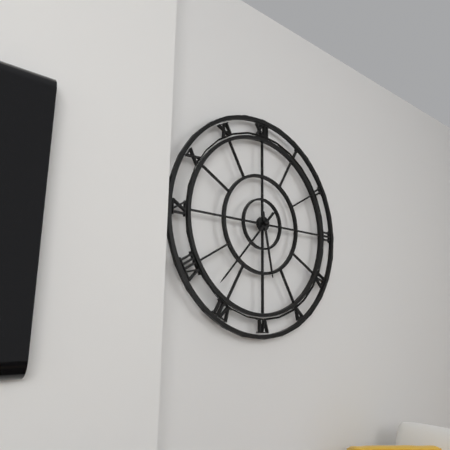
5h37
